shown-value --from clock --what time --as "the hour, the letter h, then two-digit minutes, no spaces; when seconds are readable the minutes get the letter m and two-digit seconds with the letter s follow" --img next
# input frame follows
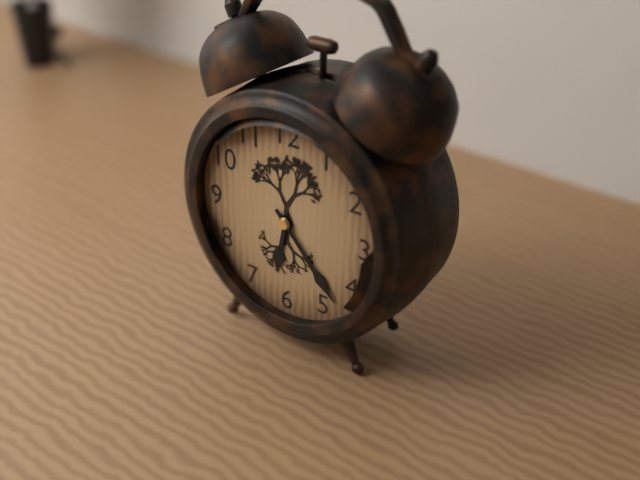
6h23
